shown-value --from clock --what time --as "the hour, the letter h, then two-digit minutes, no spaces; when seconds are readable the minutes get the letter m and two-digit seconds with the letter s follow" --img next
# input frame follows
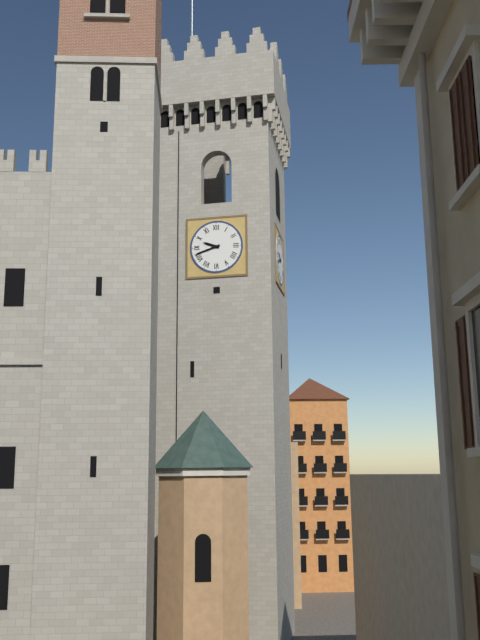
9h42
